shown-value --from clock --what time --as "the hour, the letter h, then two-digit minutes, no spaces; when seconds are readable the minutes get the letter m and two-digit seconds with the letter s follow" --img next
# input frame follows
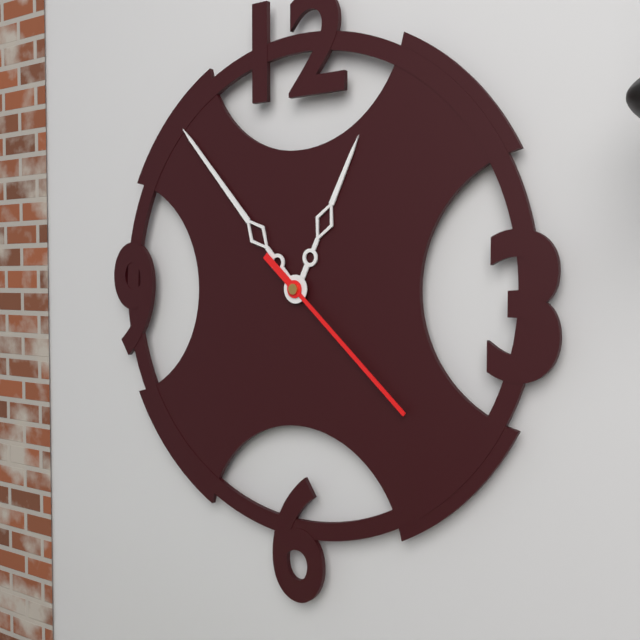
12h53m22s
